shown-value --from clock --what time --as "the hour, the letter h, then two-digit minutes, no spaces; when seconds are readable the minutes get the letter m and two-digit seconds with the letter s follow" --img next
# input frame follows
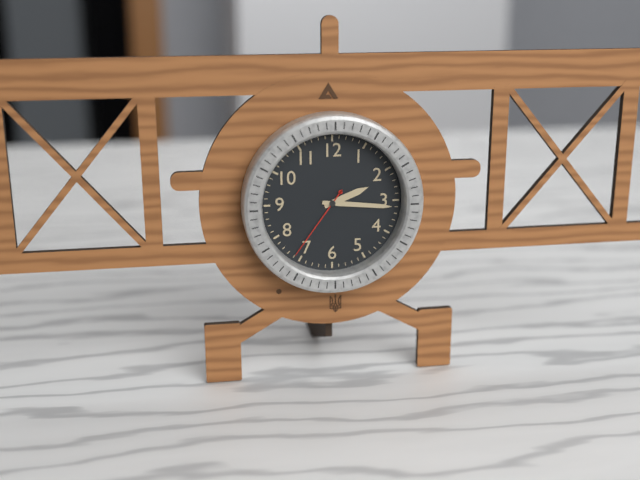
2h16m36s
